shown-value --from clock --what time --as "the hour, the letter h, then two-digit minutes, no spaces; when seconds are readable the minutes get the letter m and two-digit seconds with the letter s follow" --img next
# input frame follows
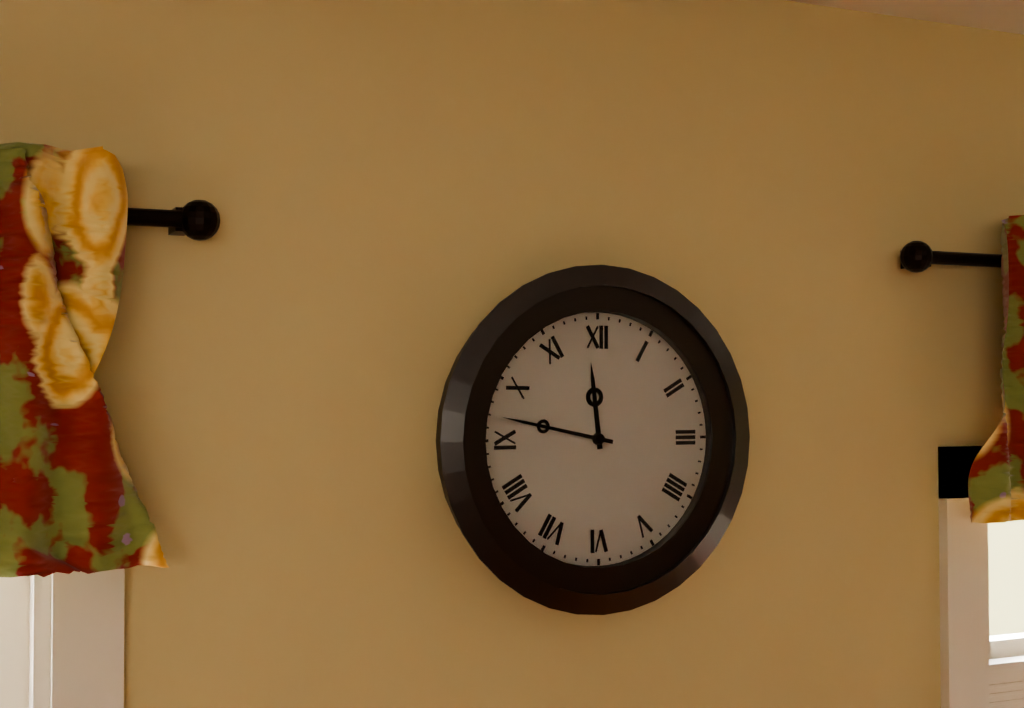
11h47
